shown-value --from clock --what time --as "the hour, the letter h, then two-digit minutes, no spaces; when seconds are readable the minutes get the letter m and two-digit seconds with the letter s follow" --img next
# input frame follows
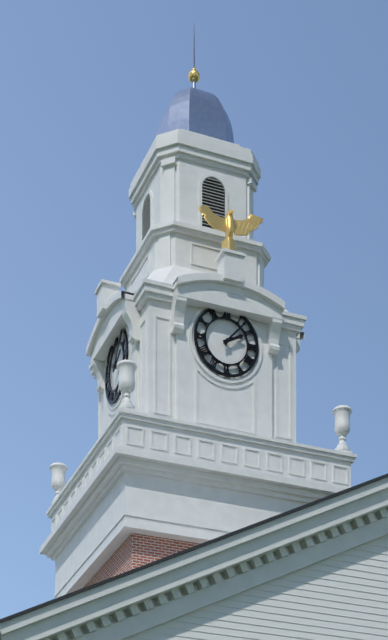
2h07
